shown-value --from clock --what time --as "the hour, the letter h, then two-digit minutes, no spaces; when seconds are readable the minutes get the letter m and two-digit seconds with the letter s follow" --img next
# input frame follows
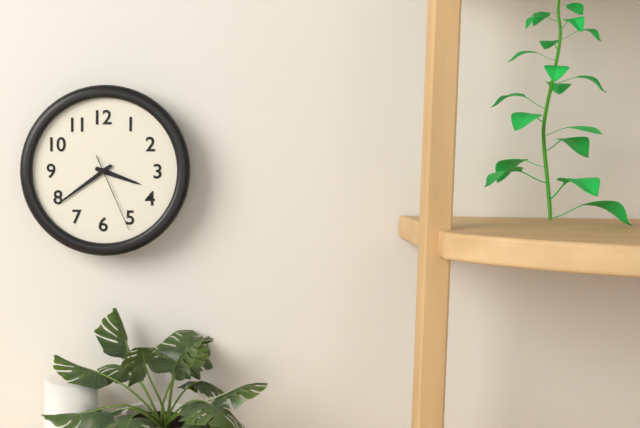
3h39m26s
